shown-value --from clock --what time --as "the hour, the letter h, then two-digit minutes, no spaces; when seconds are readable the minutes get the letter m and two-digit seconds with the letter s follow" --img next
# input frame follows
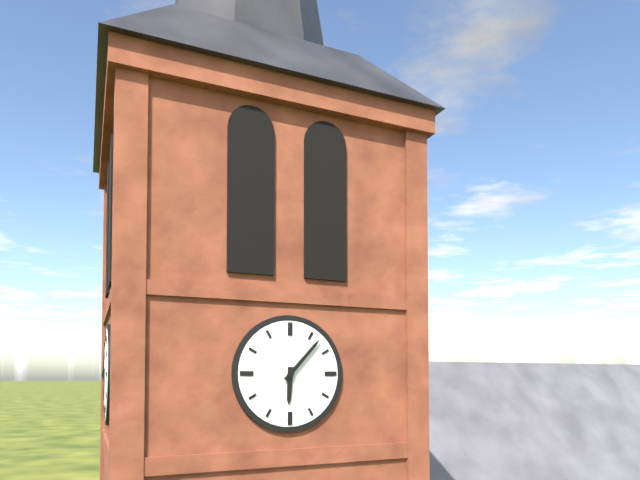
6h07
